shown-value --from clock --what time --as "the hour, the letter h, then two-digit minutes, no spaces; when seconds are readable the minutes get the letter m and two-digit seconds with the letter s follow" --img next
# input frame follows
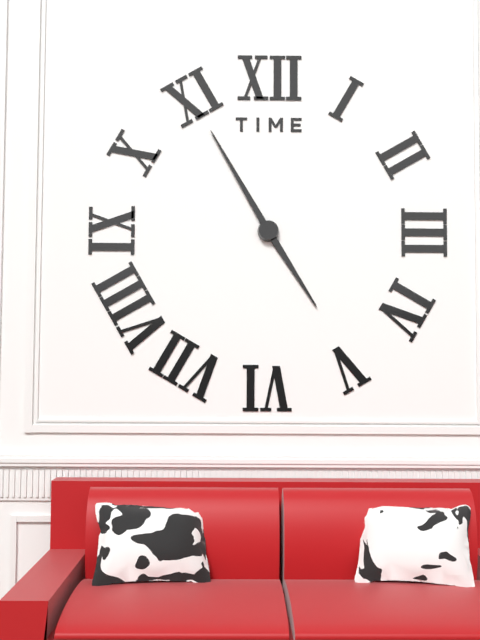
4h55
